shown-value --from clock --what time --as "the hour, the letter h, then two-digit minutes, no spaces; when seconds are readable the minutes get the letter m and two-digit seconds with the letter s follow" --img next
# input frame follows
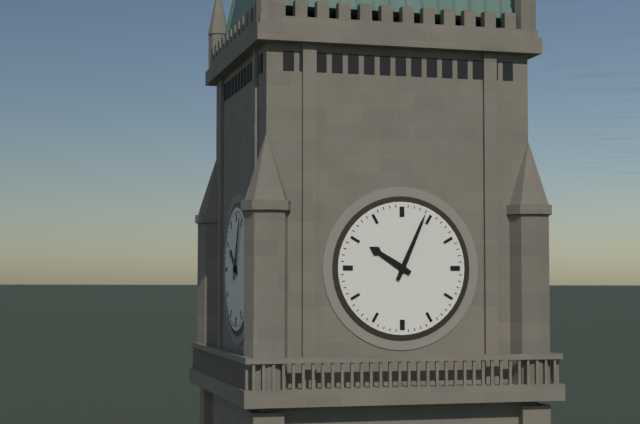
10h04
